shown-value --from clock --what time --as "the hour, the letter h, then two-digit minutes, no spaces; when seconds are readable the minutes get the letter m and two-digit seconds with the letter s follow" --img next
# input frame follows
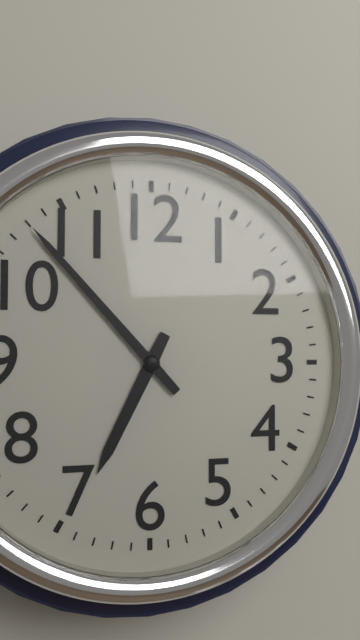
6h53
